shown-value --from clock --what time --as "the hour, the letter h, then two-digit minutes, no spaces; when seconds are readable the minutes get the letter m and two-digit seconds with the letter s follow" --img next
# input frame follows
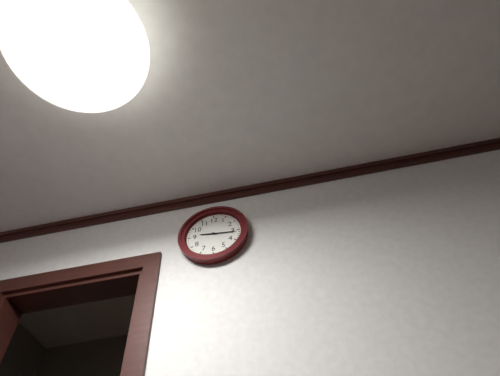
9h16
